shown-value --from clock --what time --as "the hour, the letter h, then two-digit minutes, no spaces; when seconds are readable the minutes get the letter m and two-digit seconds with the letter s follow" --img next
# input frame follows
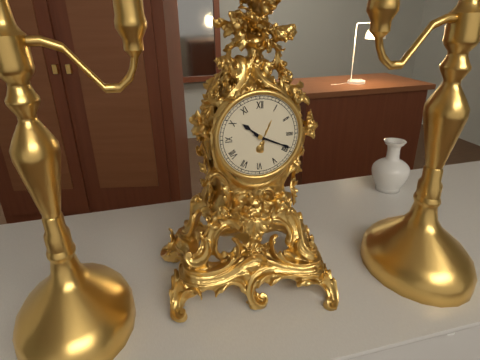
10h19
